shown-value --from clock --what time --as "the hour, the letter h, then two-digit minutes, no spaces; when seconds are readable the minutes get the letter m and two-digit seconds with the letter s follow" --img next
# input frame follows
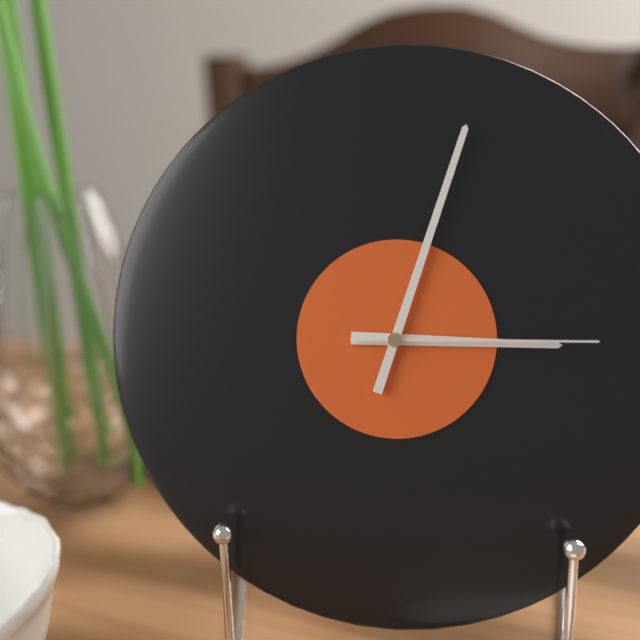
3h03m15s
